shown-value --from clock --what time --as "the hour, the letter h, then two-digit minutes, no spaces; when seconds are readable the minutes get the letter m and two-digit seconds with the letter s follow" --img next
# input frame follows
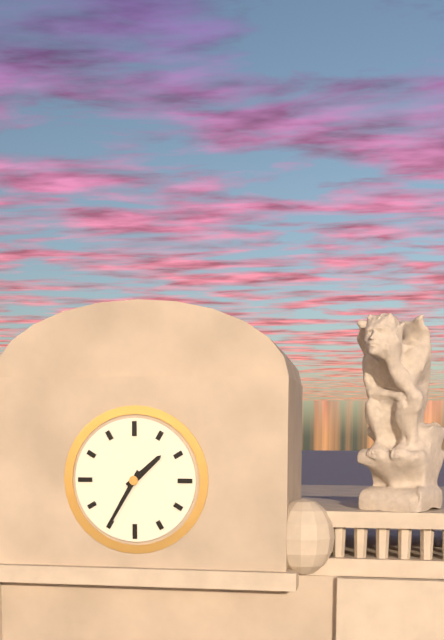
1h35
